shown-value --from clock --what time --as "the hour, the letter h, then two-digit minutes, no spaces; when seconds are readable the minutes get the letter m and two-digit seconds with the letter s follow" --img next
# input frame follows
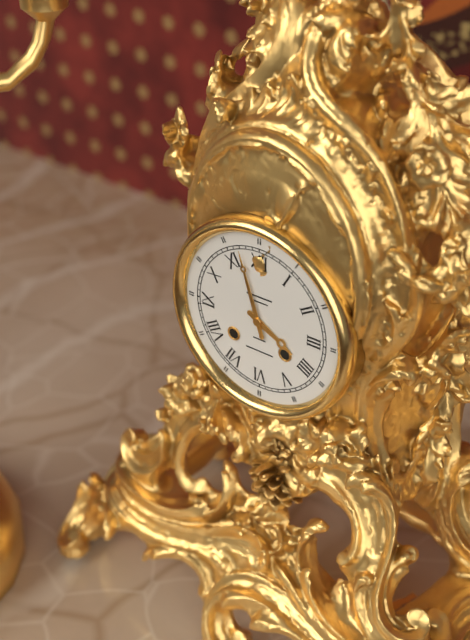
3h57
